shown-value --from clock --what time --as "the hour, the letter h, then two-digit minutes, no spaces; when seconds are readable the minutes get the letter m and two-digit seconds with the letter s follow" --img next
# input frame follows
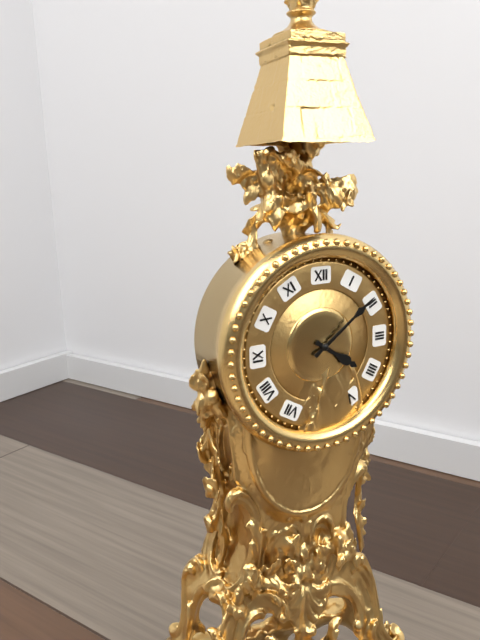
4h09
